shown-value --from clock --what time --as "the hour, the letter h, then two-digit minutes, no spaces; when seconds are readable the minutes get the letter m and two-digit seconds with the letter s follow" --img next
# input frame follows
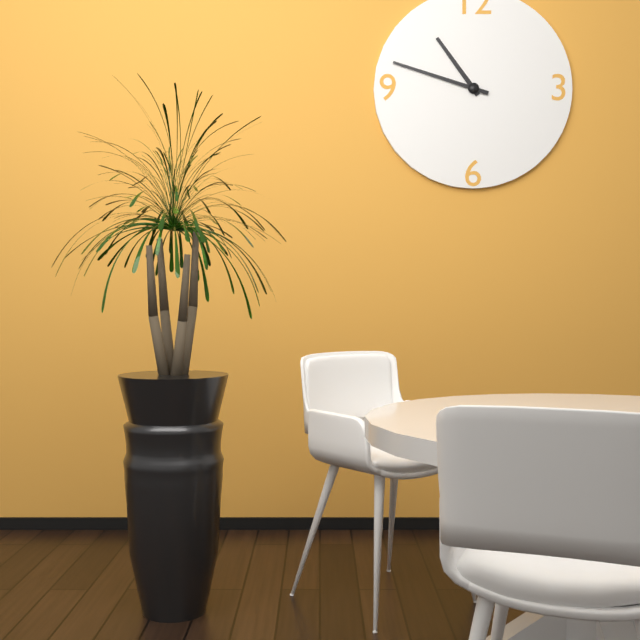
10h48
